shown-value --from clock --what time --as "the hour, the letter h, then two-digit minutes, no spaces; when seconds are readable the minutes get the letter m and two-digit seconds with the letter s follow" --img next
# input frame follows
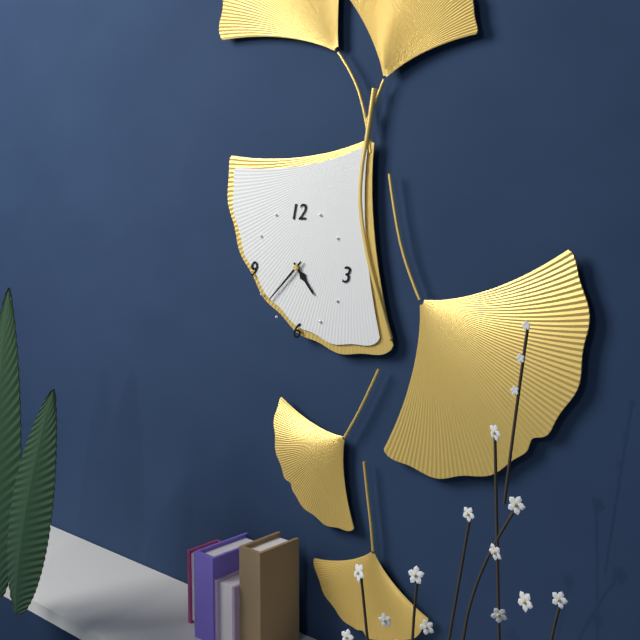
4h38
